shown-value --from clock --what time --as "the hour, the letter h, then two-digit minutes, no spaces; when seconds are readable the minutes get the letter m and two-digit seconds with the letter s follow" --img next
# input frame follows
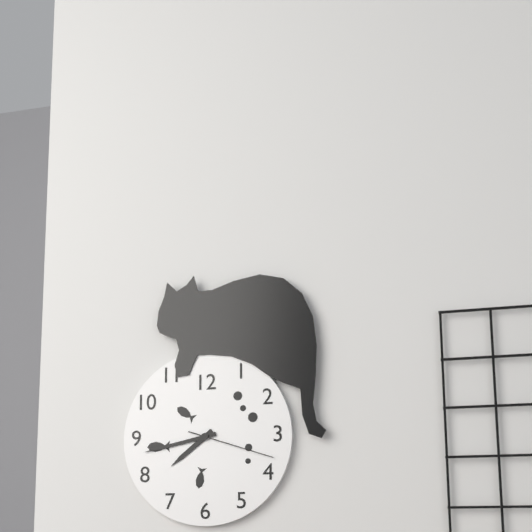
7h43m18s
